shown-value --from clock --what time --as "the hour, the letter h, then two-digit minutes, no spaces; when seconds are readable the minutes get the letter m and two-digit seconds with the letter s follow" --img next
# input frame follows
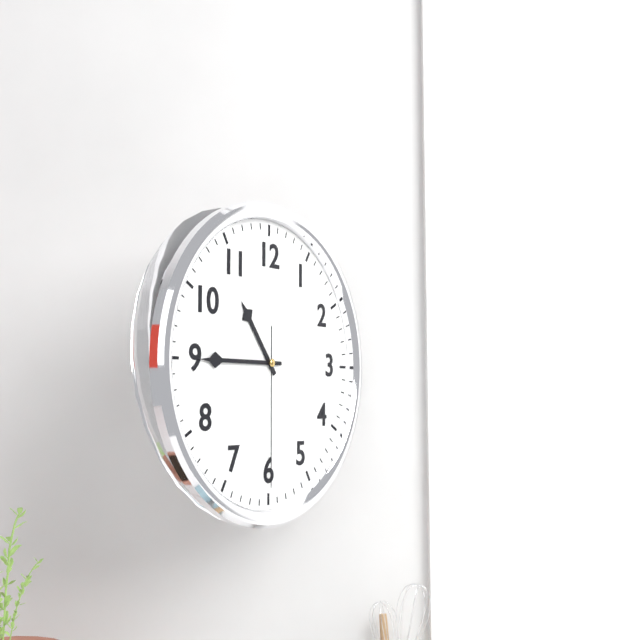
10h45m30s
